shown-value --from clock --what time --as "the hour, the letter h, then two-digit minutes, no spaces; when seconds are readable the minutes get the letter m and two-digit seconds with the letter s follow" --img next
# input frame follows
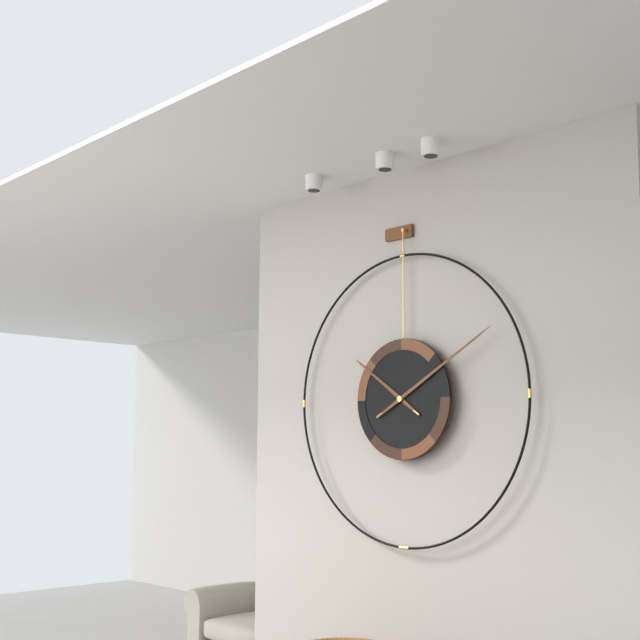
10h10
